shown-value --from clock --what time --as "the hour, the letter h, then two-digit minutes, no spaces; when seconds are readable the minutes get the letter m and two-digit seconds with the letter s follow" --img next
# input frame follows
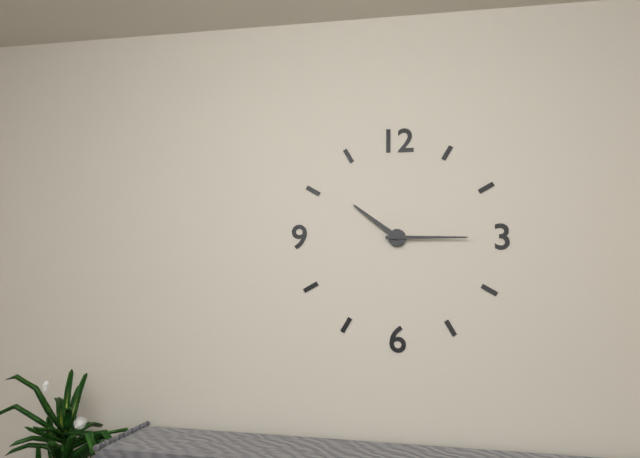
10h15
